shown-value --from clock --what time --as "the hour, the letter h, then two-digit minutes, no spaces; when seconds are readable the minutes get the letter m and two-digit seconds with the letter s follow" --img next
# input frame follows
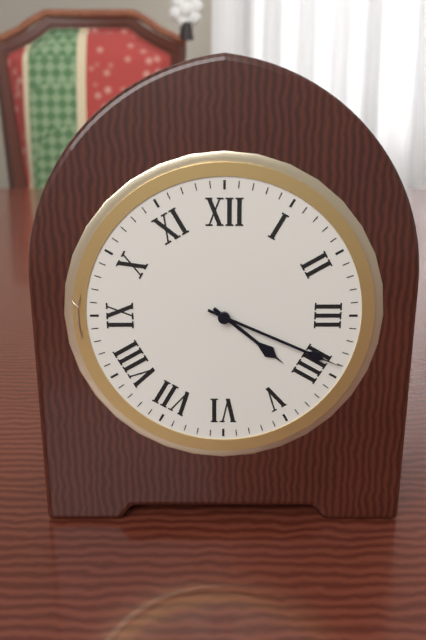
4h19
